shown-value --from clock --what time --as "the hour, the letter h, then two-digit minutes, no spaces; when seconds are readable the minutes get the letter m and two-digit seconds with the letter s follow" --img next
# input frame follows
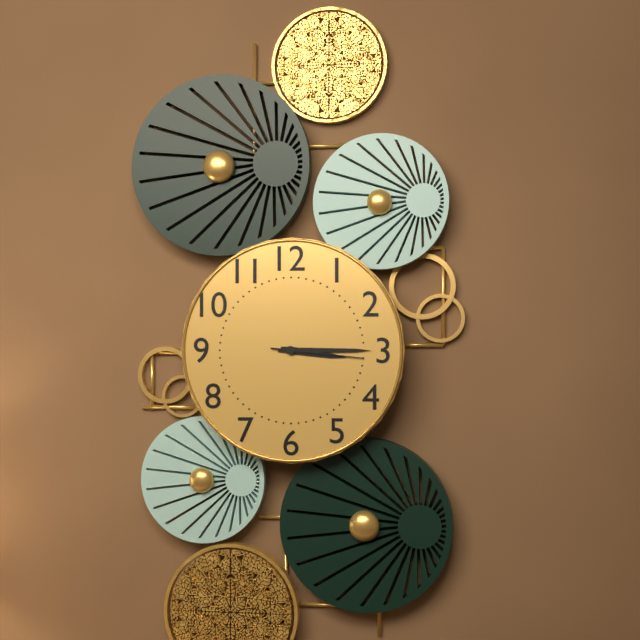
3h15m16s
